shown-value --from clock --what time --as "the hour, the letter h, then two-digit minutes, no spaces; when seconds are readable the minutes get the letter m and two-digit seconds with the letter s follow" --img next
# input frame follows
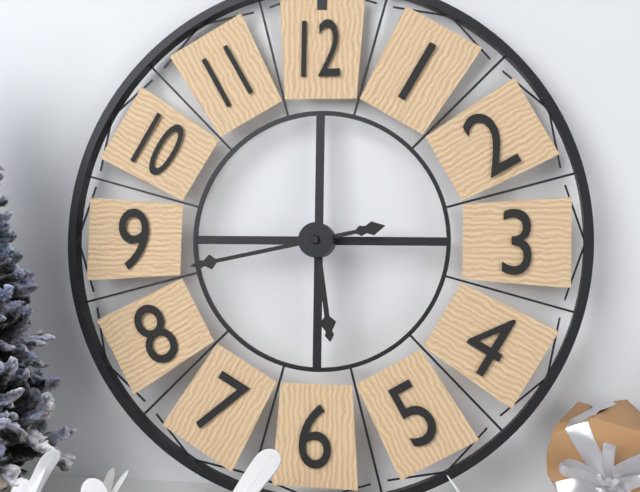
5h43
